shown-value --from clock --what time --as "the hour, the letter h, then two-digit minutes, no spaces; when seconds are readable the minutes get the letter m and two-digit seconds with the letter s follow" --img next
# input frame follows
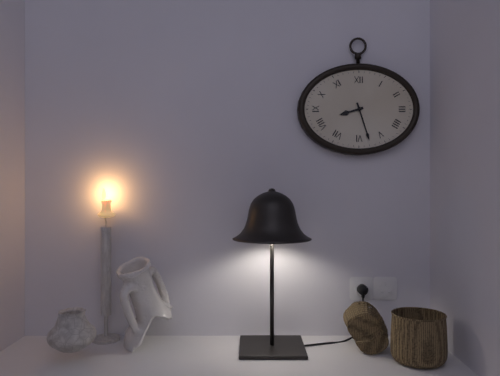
8h27
